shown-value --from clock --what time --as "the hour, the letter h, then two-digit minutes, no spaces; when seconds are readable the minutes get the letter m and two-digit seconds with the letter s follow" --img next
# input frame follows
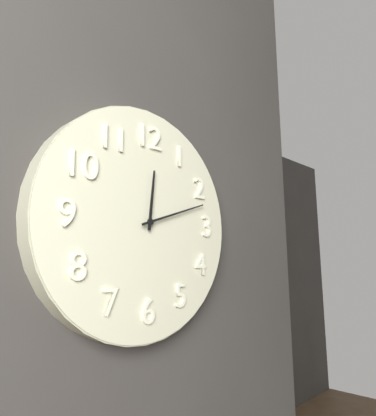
12h12
